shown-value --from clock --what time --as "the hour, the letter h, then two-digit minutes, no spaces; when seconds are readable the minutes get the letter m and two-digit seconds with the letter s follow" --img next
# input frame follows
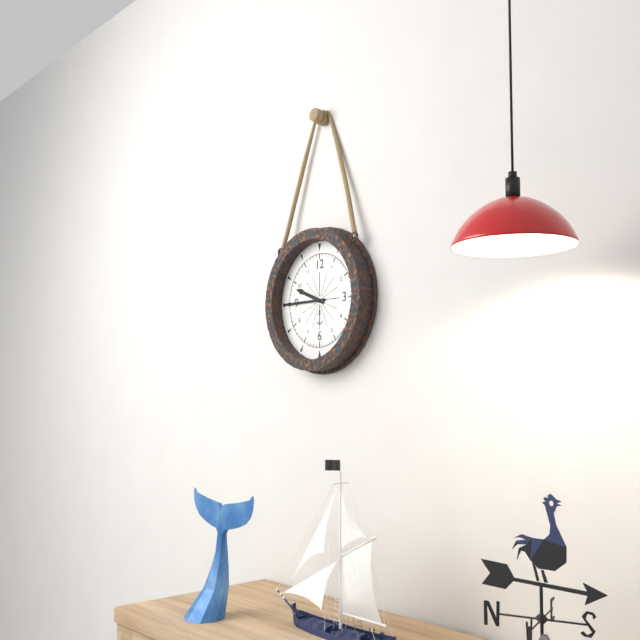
9h45
